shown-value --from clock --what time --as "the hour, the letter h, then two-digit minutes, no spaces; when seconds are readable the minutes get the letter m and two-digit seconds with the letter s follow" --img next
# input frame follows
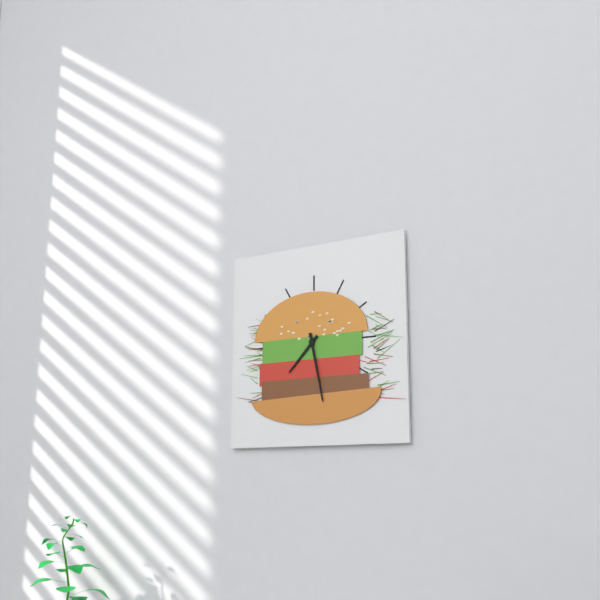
7h28
